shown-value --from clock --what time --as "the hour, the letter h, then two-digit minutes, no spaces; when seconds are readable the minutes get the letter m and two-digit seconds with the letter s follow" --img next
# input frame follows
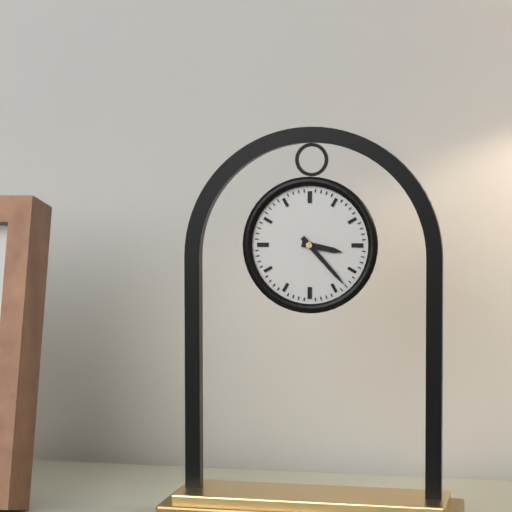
3h23
